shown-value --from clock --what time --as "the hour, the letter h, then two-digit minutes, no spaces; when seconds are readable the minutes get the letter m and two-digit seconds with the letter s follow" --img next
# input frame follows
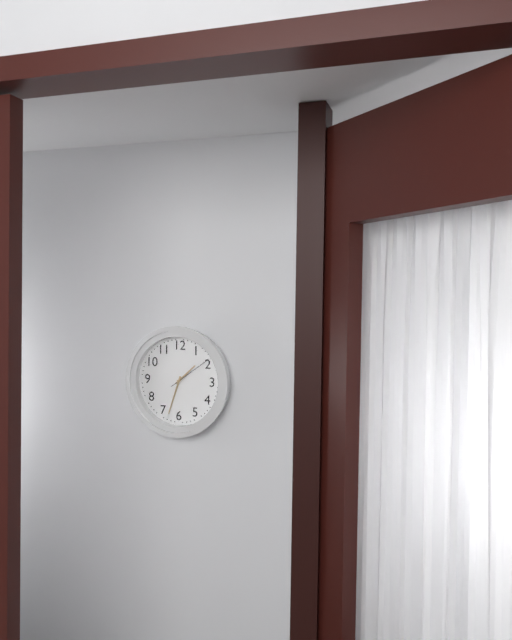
1h33
